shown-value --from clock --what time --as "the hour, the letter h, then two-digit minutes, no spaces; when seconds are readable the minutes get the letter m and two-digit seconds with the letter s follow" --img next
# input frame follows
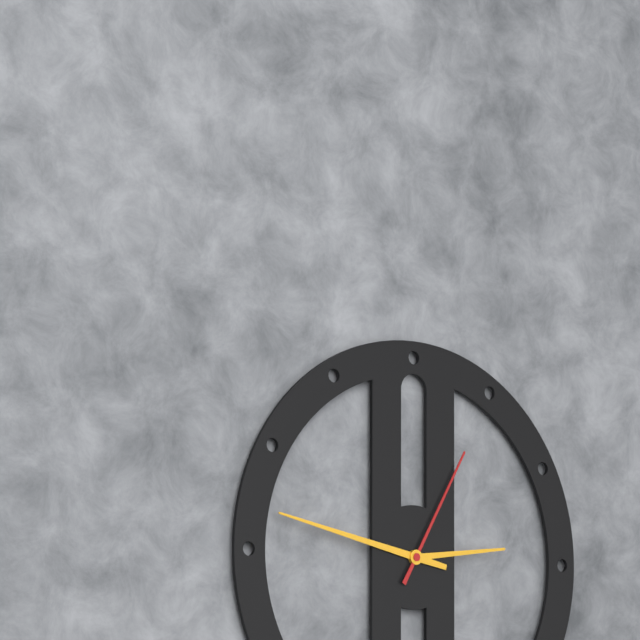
2h47m05s
